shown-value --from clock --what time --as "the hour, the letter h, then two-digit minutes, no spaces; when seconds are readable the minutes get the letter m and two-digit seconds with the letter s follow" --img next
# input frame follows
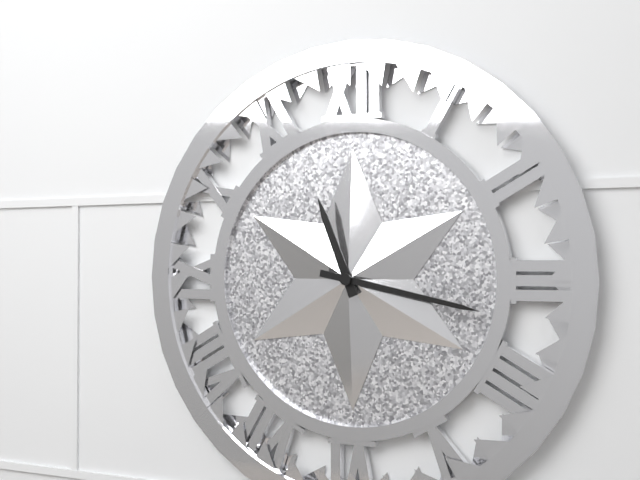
11h17
